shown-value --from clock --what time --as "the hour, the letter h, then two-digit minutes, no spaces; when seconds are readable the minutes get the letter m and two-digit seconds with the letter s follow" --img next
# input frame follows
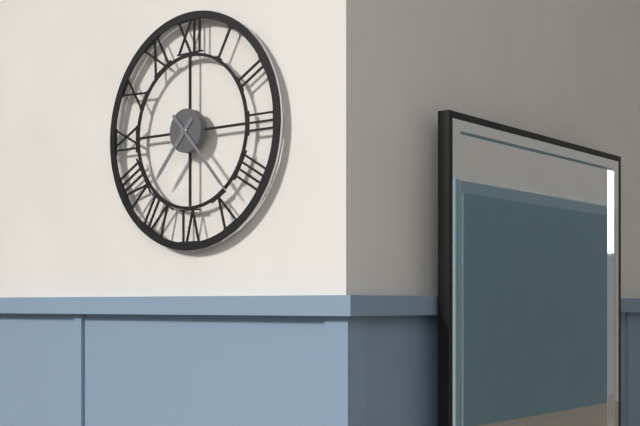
7h23
